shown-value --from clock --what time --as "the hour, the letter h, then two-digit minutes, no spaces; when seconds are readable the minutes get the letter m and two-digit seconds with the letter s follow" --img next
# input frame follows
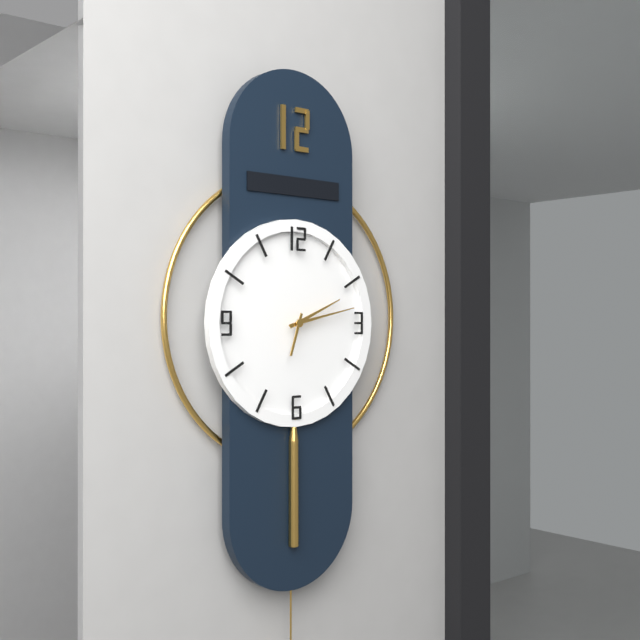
2h13
